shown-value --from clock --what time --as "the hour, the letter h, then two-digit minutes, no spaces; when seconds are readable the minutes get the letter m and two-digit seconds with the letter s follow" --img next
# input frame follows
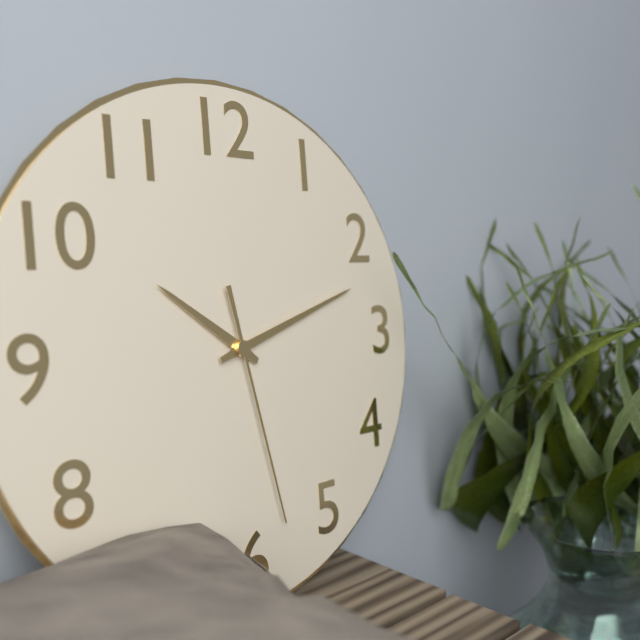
10h12m28s
